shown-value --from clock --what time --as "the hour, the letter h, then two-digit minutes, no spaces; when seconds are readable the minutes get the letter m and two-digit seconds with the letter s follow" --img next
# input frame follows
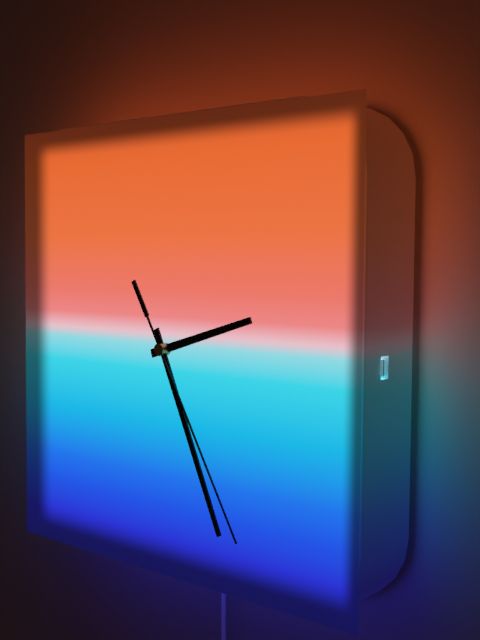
2h26m25s
